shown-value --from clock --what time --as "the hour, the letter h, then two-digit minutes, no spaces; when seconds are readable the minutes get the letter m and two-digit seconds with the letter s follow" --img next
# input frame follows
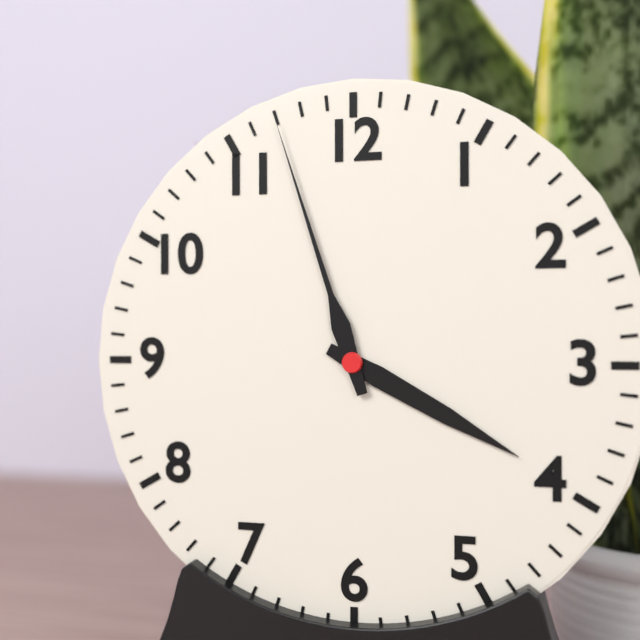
3h57
